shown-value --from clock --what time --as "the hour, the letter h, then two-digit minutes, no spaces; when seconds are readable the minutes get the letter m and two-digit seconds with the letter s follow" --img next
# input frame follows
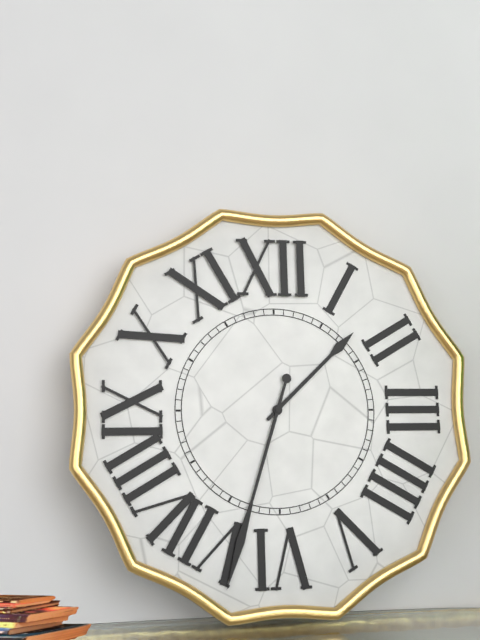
1h33
